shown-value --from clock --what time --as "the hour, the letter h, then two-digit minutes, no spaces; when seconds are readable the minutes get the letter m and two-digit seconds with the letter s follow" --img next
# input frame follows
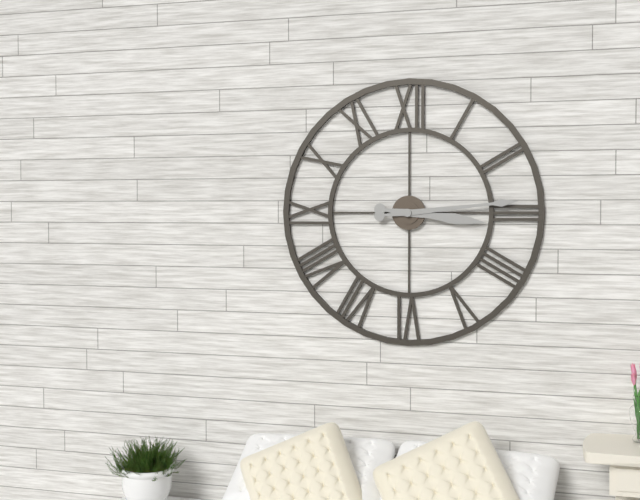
3h14
